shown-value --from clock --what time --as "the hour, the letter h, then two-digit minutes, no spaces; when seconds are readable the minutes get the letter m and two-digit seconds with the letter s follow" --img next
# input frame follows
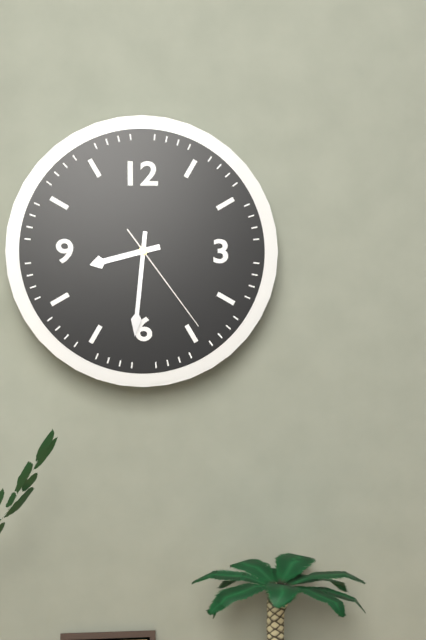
8h31m24s
